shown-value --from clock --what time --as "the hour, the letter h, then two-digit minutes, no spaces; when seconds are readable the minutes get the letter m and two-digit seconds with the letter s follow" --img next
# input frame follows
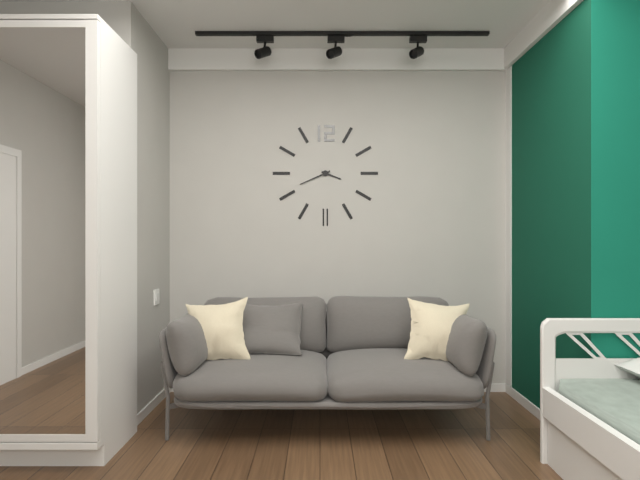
3h41
